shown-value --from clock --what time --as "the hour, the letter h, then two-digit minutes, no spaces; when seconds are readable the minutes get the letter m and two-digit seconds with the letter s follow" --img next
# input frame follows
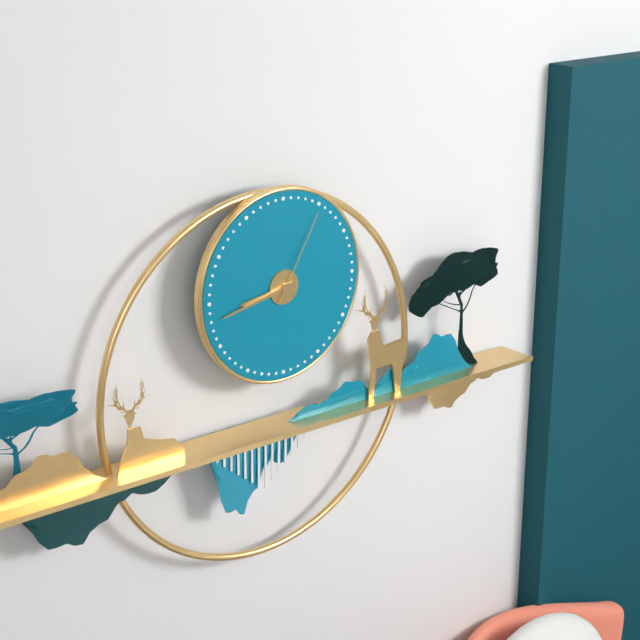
8h43m05s
